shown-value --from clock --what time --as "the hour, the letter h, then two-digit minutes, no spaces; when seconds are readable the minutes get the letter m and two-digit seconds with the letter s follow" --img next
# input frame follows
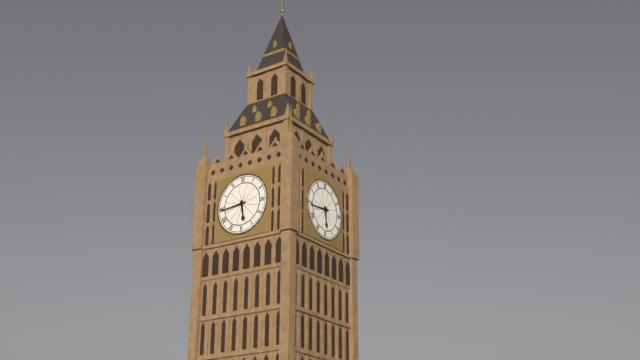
5h44
